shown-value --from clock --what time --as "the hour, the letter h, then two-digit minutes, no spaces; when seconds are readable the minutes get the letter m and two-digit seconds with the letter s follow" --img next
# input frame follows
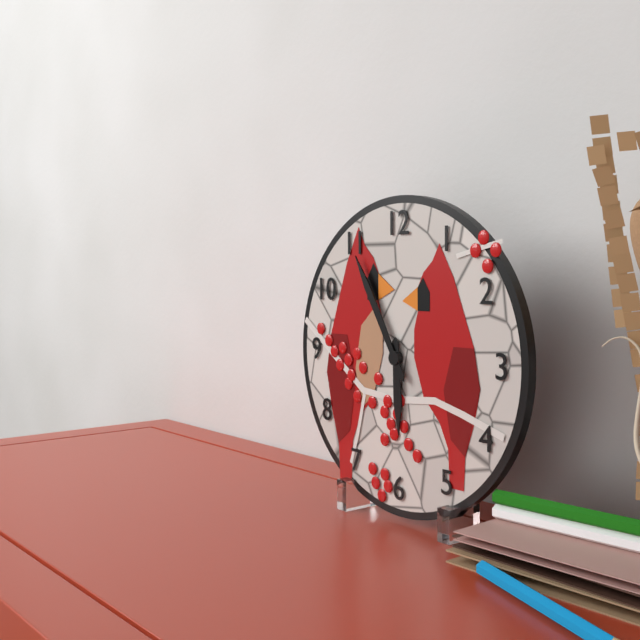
5h55
